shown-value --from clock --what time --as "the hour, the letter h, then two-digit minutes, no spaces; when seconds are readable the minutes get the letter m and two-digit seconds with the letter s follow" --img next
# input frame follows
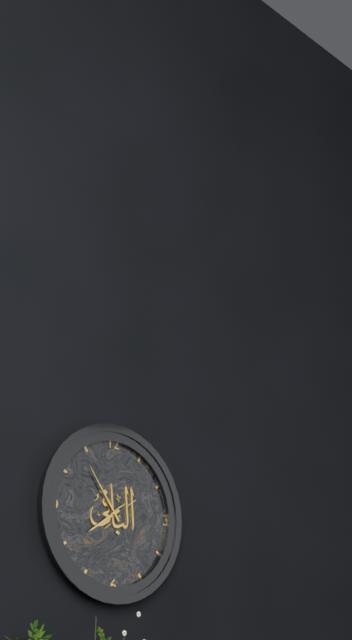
7h54
